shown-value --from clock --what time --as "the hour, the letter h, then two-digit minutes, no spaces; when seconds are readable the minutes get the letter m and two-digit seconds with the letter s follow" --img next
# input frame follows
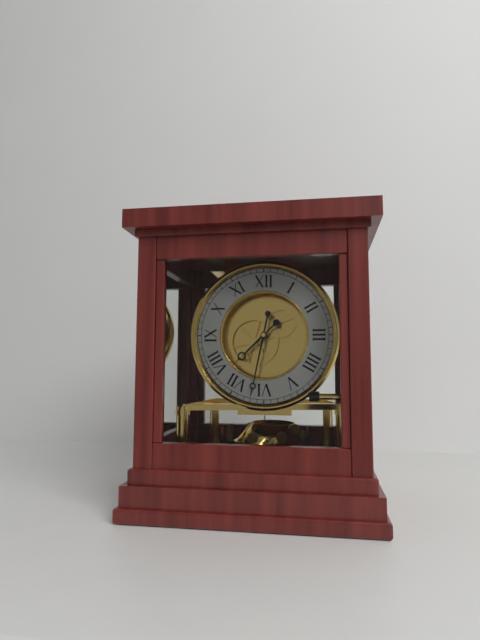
7h32
